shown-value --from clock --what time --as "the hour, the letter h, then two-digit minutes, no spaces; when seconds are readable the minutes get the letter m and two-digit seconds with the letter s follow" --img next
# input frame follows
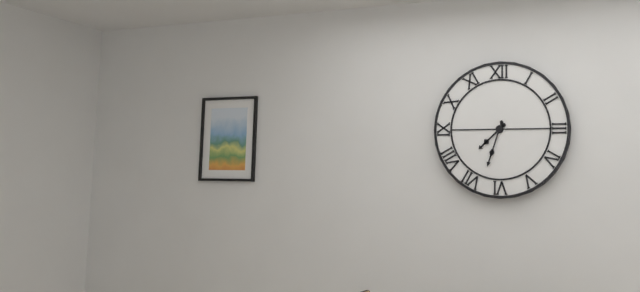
7h33
